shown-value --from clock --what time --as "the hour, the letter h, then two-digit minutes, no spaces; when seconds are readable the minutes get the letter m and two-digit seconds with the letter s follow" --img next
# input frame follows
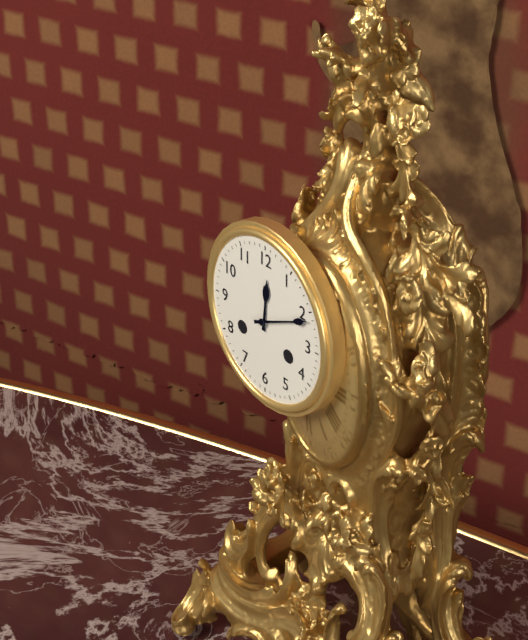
12h11
